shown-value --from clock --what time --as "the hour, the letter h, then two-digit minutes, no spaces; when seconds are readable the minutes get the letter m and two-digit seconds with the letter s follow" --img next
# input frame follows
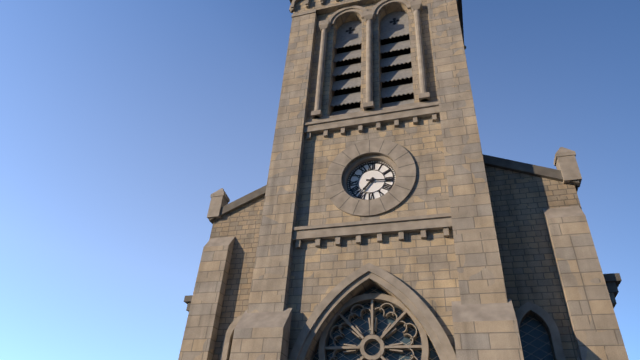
7h16
